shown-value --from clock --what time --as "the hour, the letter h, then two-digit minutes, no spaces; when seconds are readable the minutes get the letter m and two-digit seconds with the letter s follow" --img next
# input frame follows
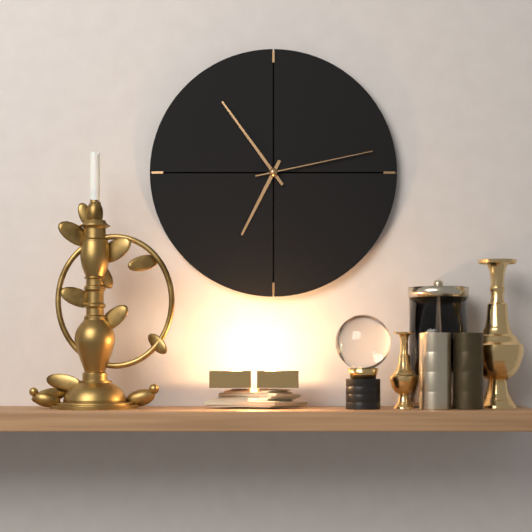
6h54m13s
